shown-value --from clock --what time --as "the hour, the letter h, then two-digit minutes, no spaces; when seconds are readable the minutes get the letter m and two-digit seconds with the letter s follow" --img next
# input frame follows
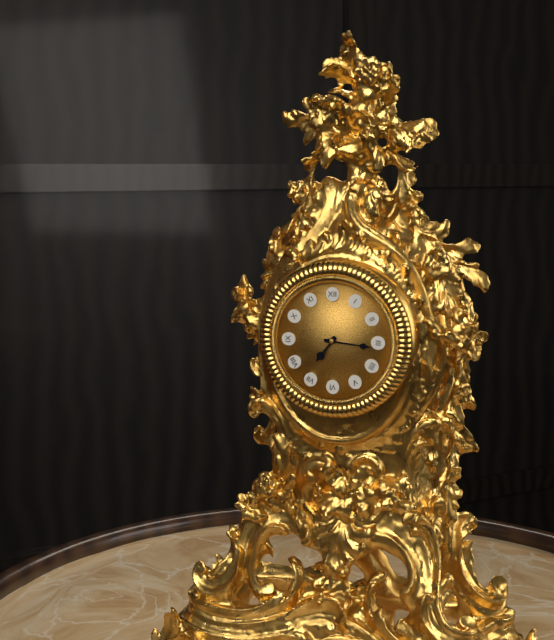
7h16
